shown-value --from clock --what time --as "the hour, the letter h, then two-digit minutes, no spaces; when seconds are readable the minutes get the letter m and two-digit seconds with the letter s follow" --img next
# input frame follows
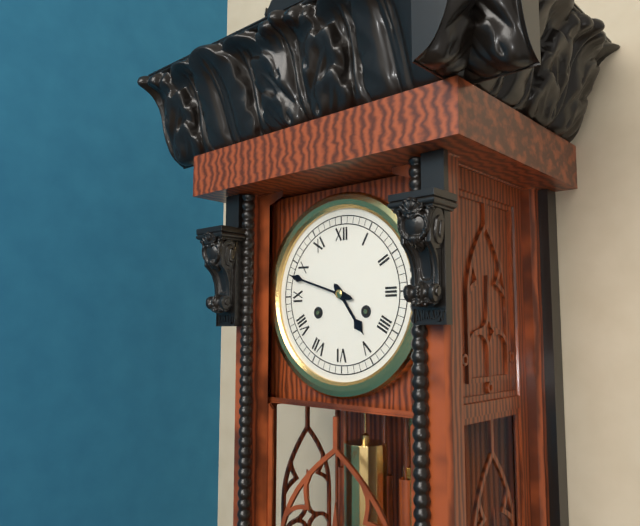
4h48
